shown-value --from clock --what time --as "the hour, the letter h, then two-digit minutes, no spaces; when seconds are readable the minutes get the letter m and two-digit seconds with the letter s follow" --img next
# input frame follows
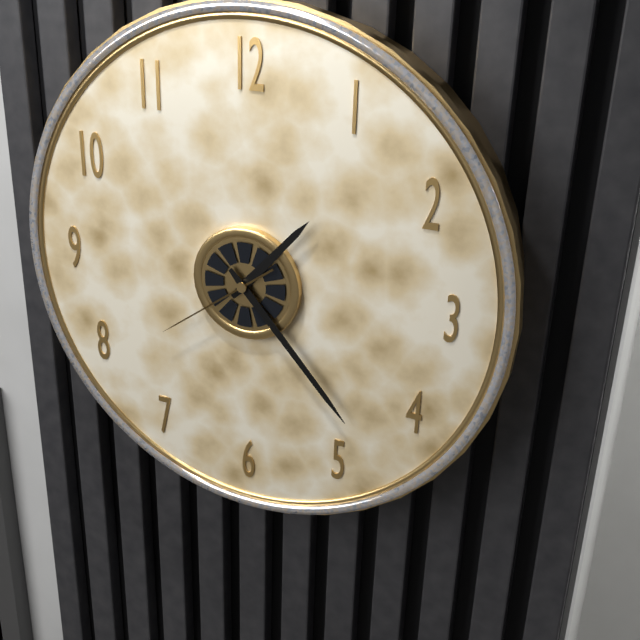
1h23m39s
